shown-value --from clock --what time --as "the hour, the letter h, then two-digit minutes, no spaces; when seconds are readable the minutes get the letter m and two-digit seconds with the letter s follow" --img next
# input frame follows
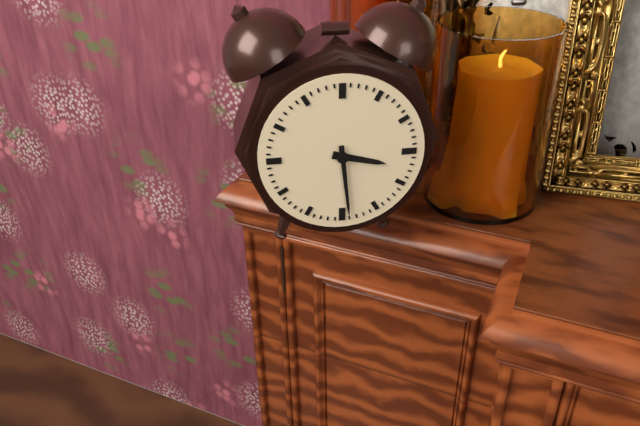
3h29
